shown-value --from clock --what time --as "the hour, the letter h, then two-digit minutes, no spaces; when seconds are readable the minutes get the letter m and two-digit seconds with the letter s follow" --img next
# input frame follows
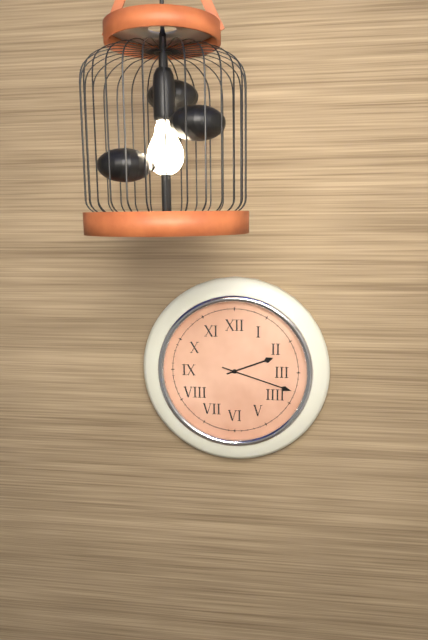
2h18
